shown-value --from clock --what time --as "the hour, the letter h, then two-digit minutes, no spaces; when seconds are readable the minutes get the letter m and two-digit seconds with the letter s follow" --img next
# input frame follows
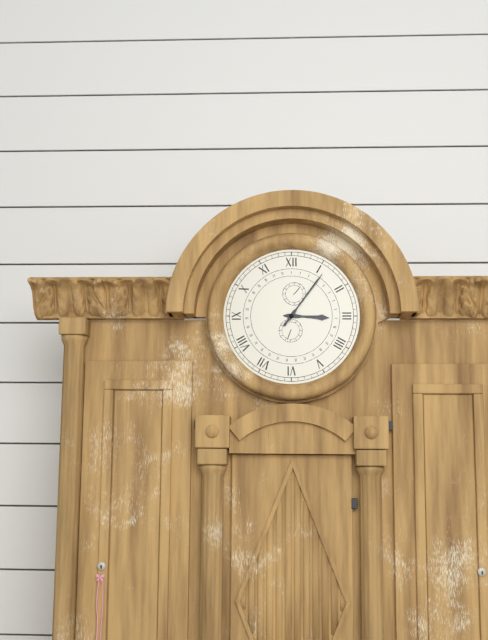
3h06
